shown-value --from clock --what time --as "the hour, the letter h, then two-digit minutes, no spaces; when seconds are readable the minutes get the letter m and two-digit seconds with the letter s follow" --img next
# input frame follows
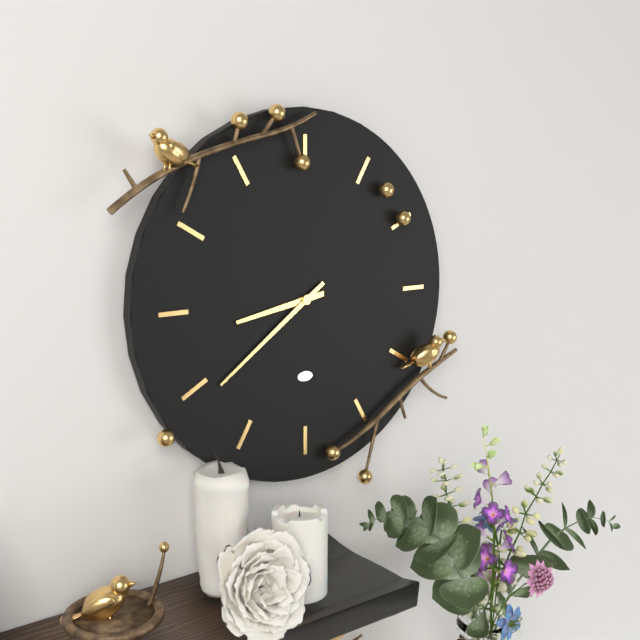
8h39
